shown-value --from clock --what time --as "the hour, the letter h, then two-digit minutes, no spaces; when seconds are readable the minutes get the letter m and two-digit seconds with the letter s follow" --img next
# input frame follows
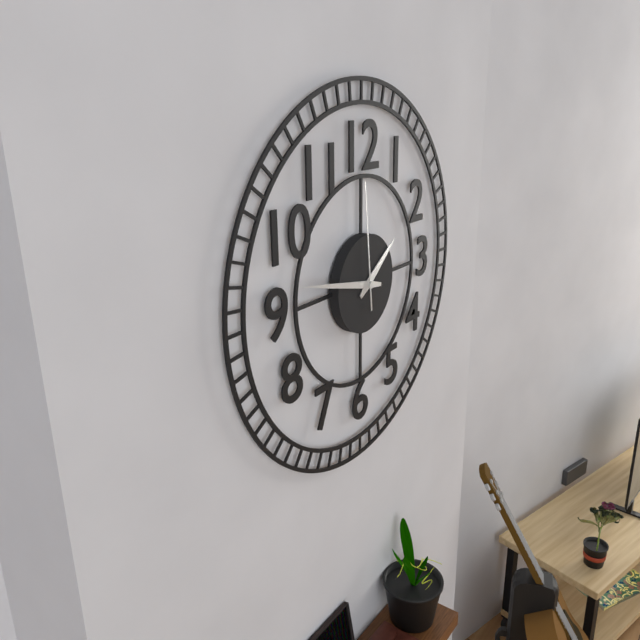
1h47m59s
